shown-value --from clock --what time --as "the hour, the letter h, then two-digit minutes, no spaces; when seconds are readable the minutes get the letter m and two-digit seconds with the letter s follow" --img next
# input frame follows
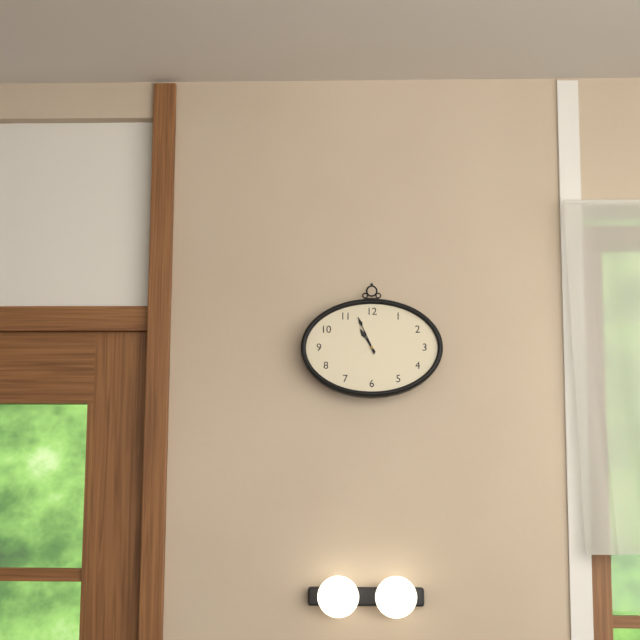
10h56
